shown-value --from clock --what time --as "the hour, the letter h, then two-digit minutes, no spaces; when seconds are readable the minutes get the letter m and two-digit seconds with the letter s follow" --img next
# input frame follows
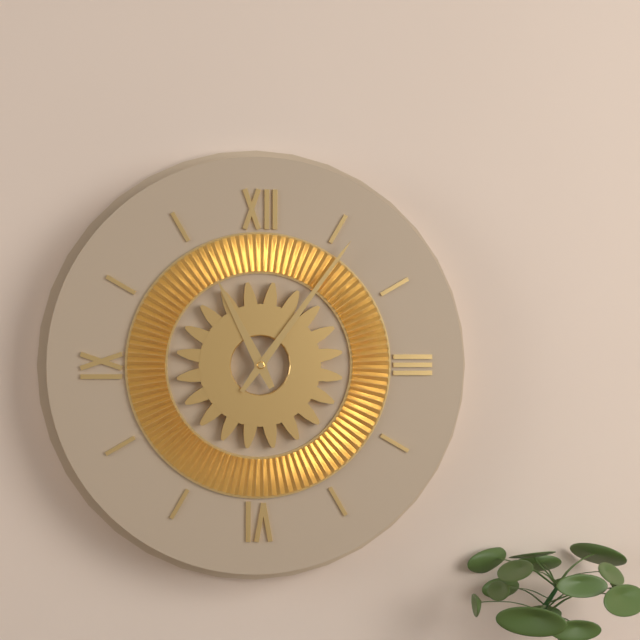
11h06
